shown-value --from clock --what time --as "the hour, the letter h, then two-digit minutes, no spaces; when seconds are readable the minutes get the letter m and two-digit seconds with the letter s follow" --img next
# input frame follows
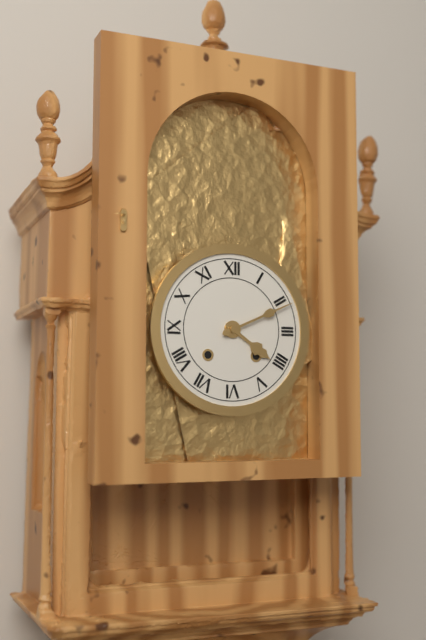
4h11
